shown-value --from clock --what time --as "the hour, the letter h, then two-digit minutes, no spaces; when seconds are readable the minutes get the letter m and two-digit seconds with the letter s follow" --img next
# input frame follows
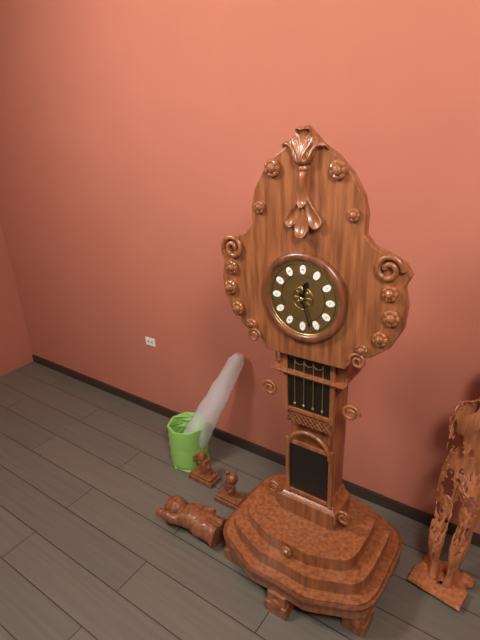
12h27
